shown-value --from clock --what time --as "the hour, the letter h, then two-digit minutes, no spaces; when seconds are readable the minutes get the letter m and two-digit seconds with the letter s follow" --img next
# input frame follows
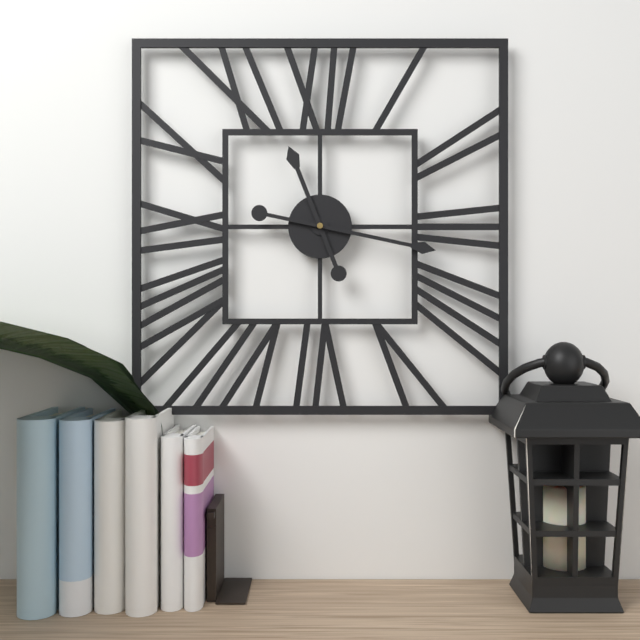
11h17
